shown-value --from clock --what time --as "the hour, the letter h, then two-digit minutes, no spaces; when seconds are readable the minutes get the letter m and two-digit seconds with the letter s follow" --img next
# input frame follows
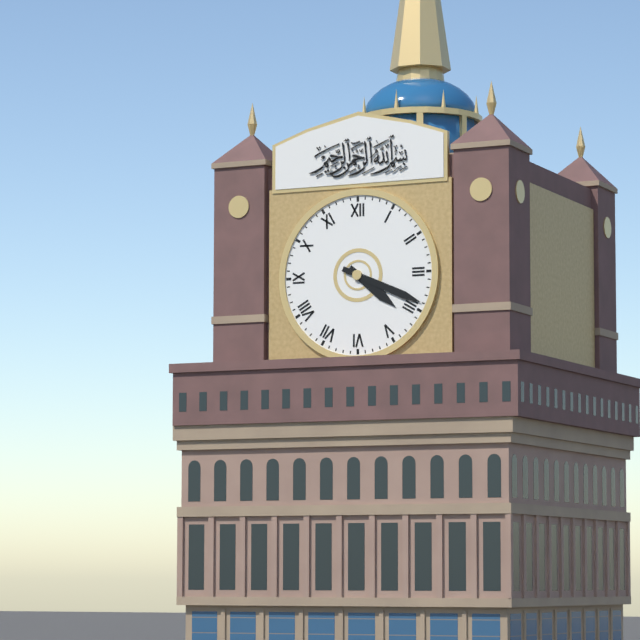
4h19
